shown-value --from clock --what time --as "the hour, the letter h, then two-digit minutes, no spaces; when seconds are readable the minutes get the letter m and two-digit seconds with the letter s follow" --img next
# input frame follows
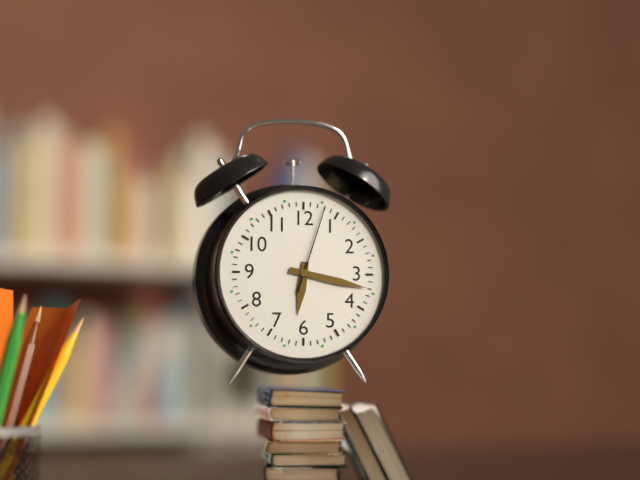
6h17m03s
